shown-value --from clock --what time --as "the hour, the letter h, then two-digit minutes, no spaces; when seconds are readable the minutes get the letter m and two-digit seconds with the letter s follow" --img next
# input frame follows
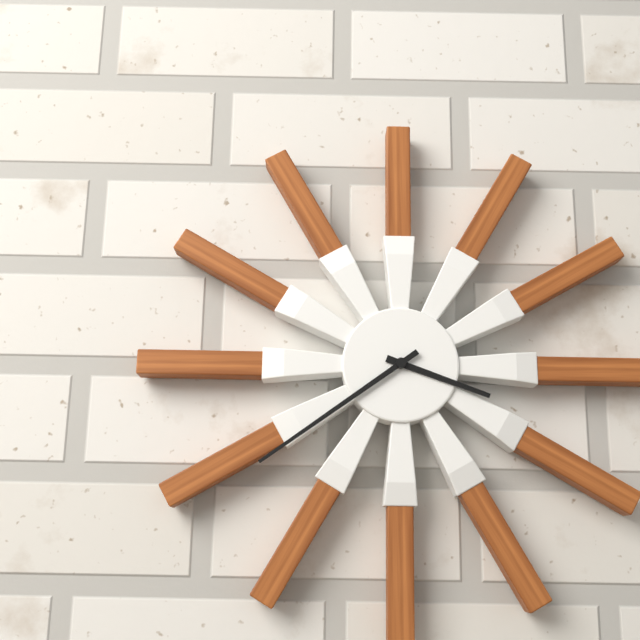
3h39
